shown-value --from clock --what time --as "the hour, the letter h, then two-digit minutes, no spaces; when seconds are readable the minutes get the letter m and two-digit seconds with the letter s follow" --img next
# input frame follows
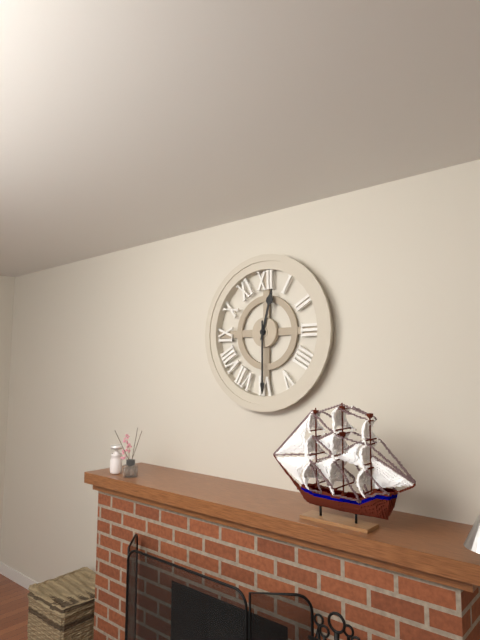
12h30
